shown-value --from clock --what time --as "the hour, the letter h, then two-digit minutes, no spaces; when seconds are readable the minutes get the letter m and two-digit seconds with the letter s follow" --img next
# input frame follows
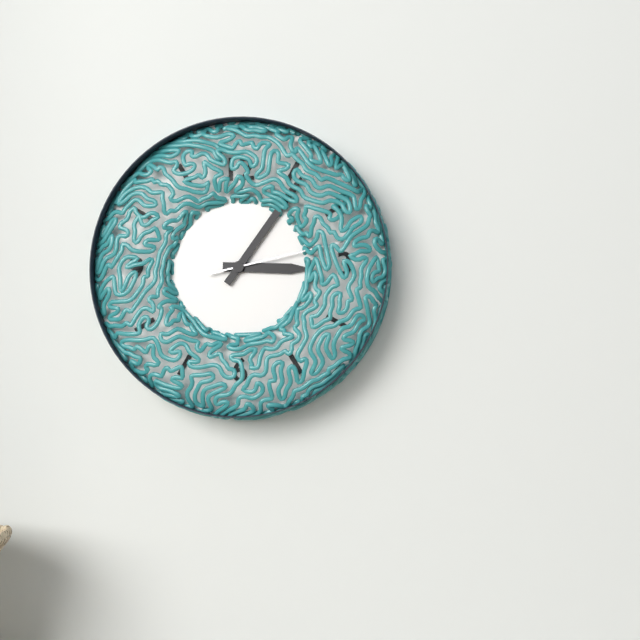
3h06m13s
